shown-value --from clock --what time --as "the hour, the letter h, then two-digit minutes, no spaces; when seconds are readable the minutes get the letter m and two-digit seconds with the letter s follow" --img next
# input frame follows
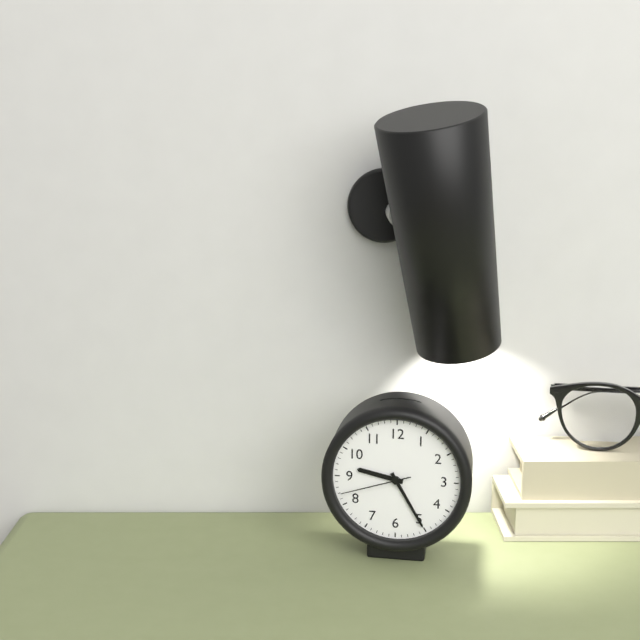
9h25m42s
